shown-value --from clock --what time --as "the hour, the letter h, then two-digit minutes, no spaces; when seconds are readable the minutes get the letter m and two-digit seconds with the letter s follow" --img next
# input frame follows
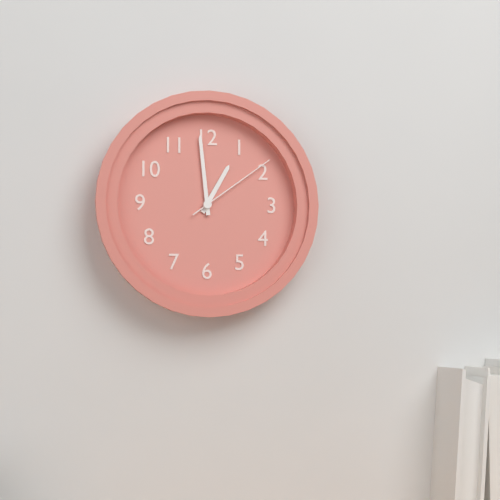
12h59m09s
